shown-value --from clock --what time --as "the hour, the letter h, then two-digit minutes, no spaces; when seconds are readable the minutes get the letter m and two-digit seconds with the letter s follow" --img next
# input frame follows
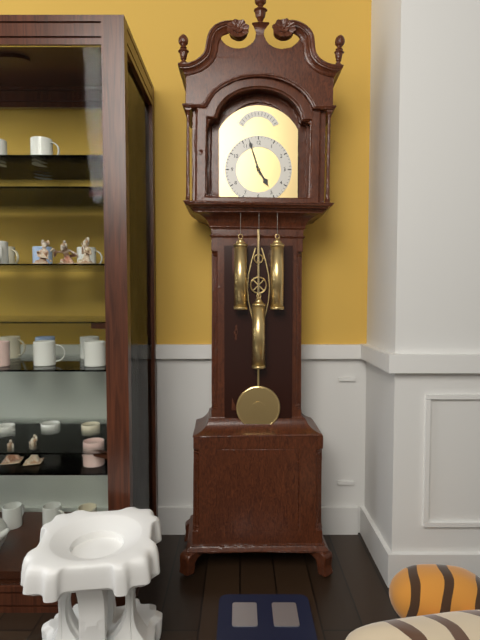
4h57
